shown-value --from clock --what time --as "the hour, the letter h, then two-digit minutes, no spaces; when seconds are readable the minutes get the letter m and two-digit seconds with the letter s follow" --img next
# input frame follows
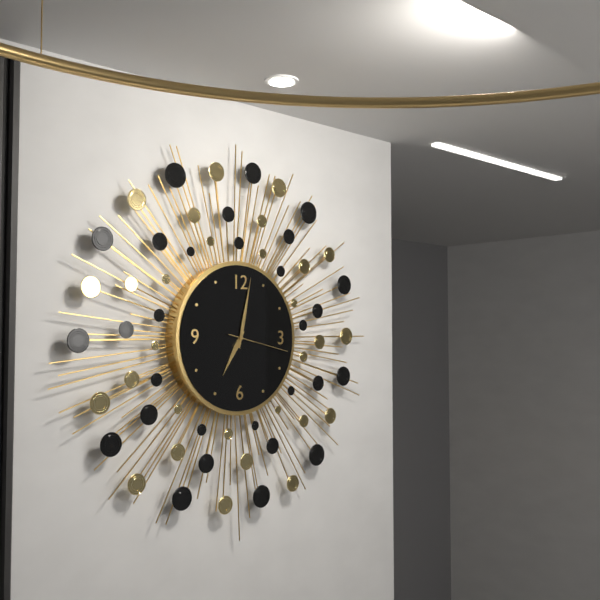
7h02m17s
